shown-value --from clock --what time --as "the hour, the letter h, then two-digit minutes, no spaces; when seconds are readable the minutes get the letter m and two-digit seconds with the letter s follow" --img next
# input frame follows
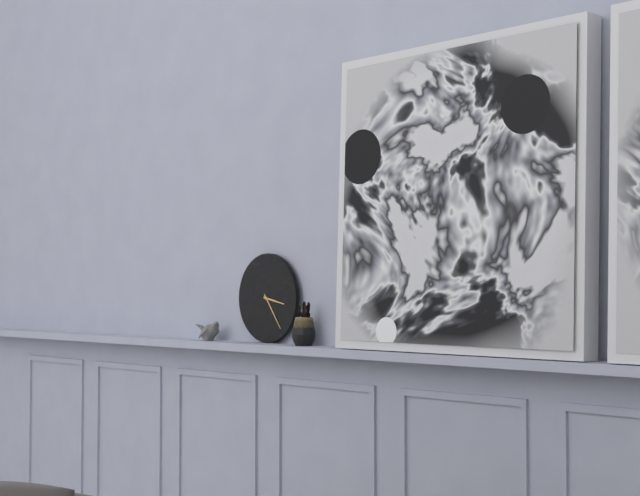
3h24
